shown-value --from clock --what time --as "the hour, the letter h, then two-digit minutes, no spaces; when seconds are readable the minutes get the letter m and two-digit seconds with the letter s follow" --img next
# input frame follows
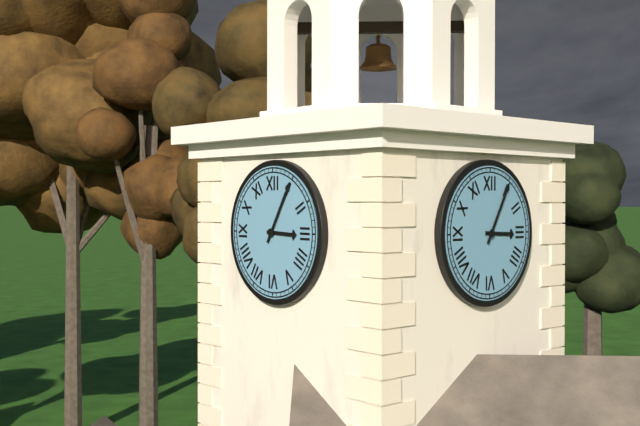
3h05
